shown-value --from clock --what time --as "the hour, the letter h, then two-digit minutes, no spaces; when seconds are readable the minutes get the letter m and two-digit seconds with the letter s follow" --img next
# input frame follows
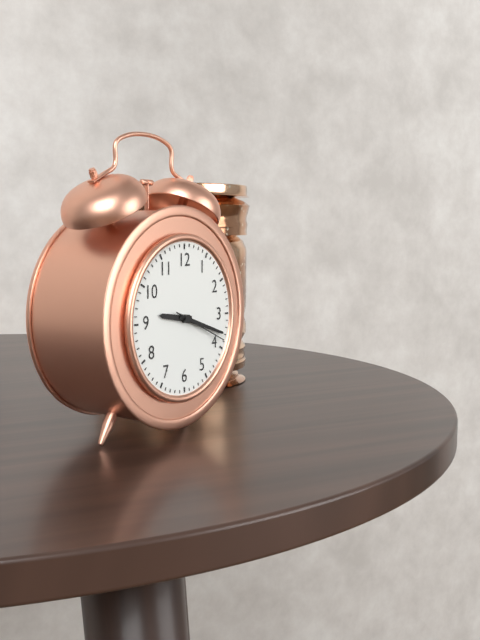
9h18m19s
